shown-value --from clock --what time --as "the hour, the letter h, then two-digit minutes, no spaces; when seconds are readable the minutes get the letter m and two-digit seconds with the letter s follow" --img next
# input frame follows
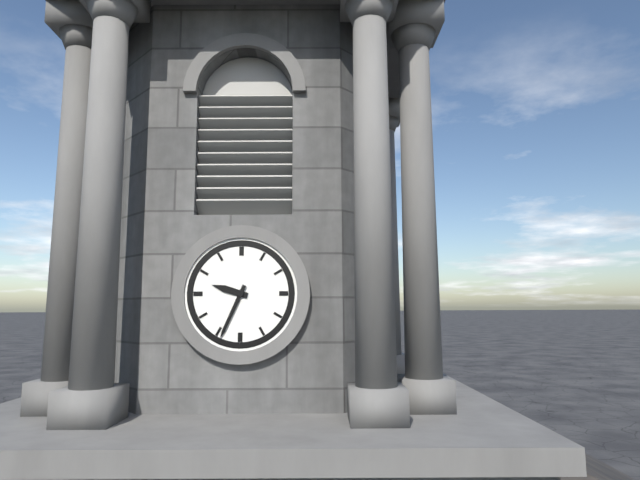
9h34
